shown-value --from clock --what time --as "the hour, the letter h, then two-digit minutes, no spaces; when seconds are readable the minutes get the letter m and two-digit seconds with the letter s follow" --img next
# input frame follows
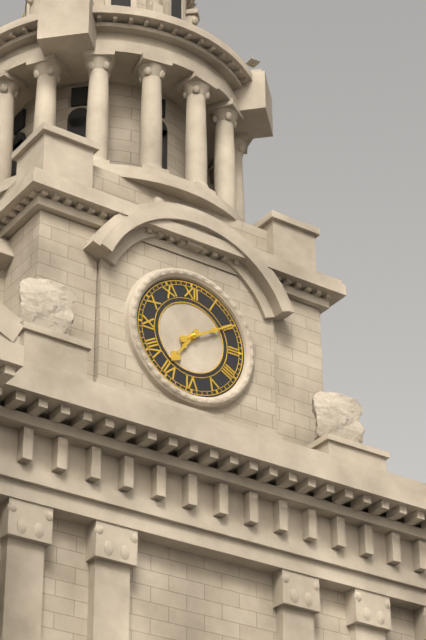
7h10
